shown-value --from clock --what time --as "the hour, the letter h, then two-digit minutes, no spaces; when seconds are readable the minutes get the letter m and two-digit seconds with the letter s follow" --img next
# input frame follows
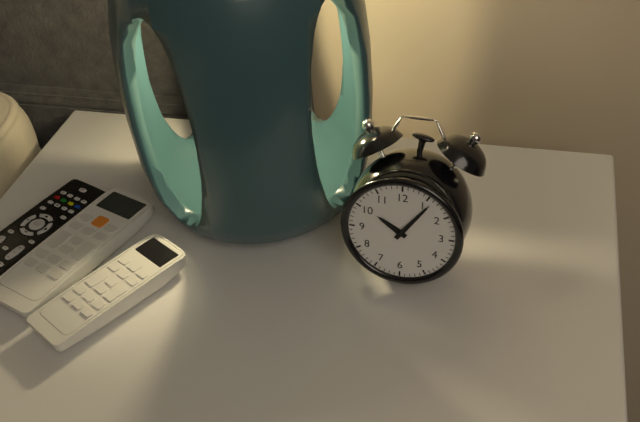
10h06
